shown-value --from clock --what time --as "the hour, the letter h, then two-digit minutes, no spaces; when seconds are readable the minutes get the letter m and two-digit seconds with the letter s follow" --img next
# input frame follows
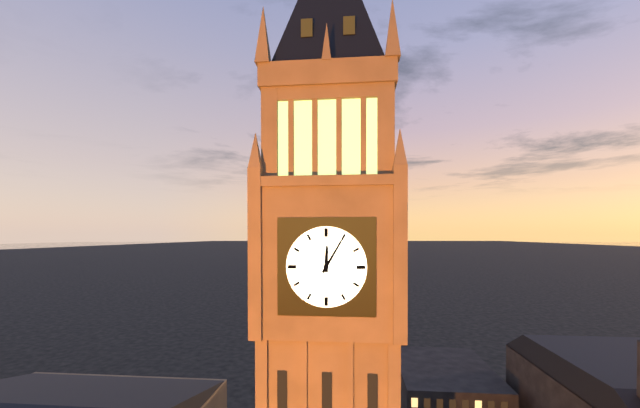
12h05
